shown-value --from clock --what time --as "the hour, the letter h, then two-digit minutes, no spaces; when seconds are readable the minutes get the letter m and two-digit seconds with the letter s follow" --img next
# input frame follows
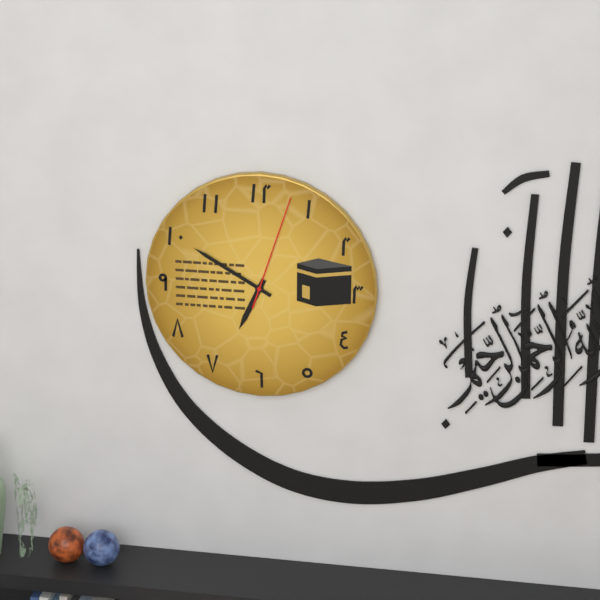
6h50m03s
